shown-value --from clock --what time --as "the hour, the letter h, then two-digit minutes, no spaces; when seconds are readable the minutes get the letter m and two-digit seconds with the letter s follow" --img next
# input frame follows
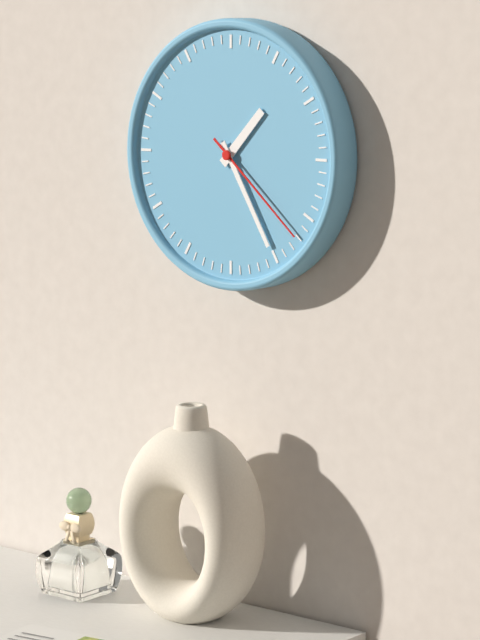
1h25m22s
